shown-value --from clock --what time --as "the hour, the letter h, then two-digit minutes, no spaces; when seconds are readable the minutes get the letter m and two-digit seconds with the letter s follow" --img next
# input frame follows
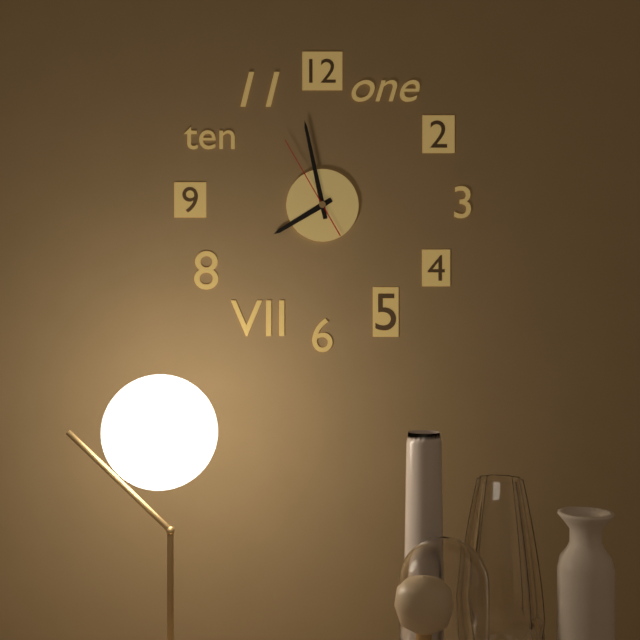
7h58m55s
